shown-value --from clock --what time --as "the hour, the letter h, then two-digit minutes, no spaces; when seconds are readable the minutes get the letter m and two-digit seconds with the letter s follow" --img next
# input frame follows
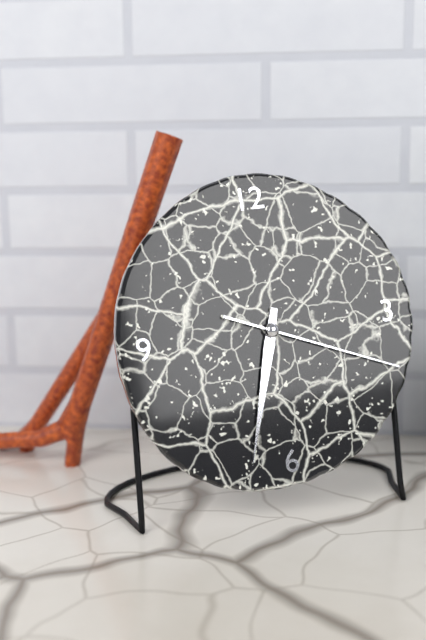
6h33m19s
